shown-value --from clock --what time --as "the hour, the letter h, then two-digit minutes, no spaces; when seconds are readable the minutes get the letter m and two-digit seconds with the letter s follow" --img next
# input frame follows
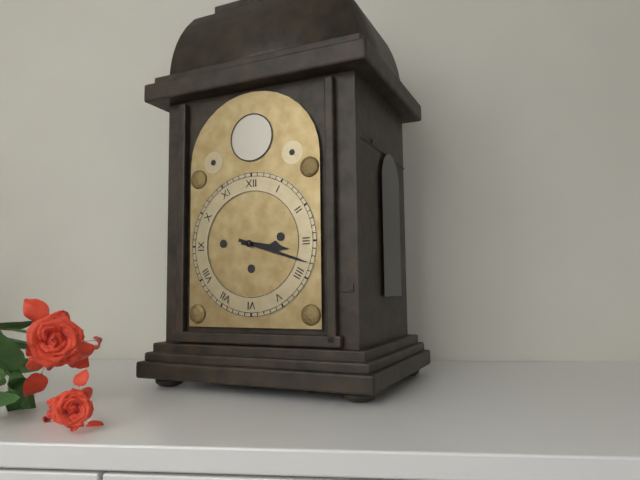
3h18
